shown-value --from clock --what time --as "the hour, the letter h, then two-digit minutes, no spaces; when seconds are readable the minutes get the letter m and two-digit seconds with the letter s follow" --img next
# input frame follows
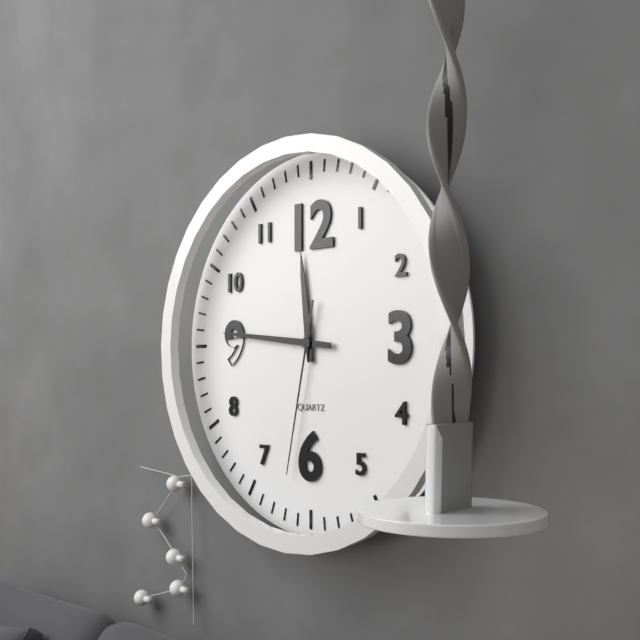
11h46m32s
